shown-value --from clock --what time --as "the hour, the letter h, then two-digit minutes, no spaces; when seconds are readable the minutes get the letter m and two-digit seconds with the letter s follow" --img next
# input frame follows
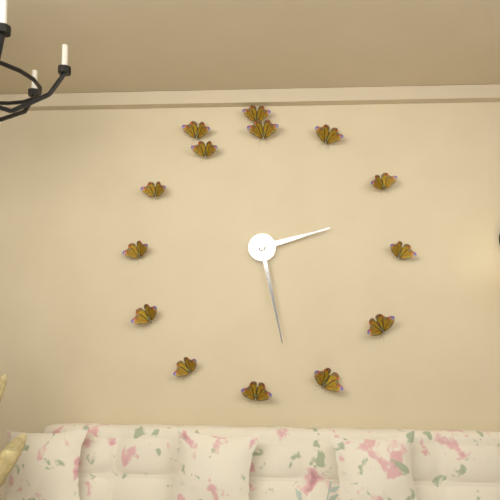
2h28
